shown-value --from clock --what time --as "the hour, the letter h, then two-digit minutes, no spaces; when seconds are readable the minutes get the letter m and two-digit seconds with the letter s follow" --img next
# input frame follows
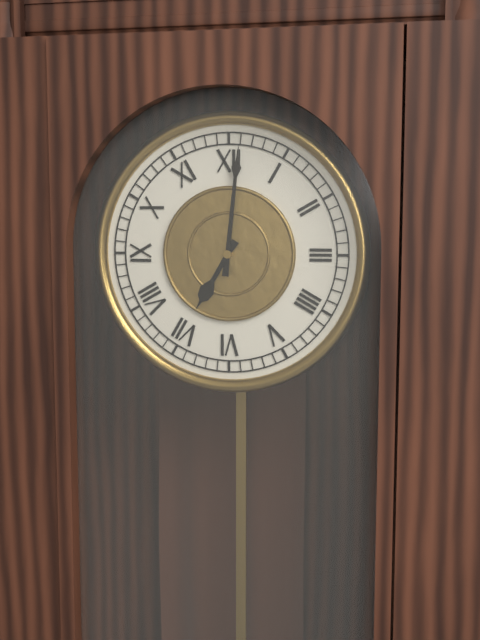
7h01
